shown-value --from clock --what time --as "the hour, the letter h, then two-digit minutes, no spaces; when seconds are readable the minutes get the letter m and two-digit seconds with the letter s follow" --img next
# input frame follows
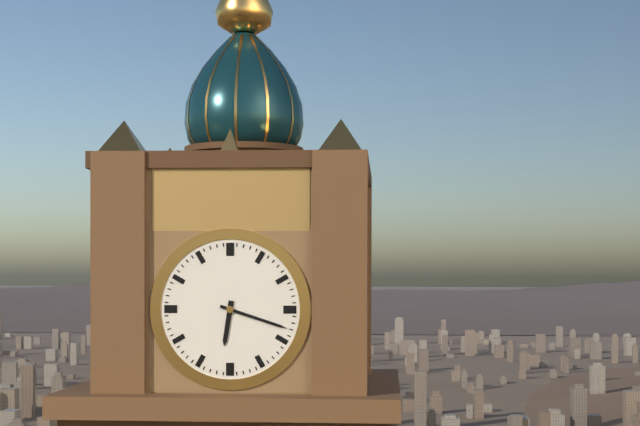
6h18
